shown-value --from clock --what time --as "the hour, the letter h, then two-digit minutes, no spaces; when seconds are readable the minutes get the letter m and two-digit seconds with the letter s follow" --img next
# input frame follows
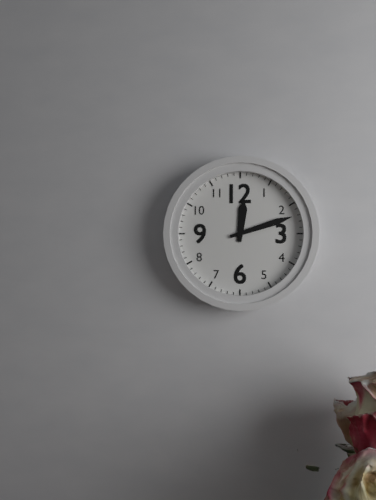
12h12
